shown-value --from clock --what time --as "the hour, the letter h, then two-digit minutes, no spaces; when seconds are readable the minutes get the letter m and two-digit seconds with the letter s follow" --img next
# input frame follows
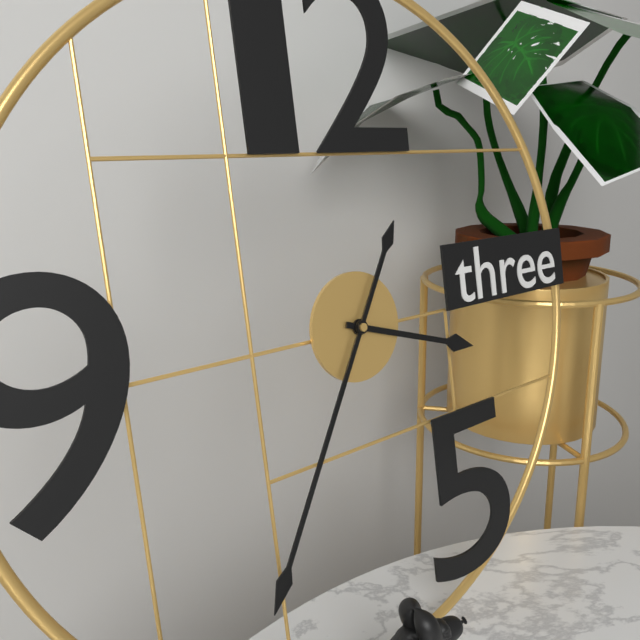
3h35
